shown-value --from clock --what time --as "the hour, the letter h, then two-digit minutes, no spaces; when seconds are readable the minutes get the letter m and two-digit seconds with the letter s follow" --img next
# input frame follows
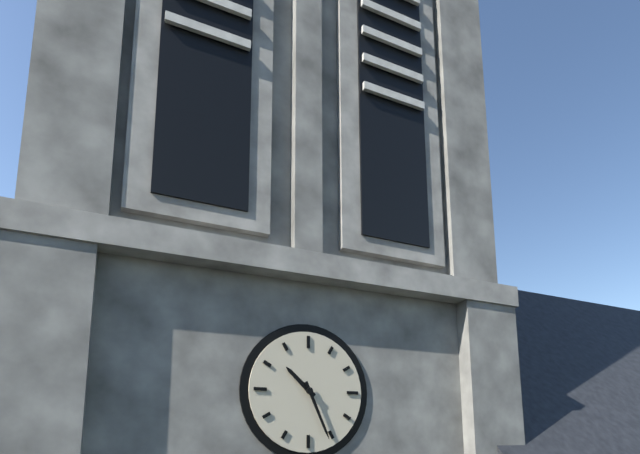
10h26
